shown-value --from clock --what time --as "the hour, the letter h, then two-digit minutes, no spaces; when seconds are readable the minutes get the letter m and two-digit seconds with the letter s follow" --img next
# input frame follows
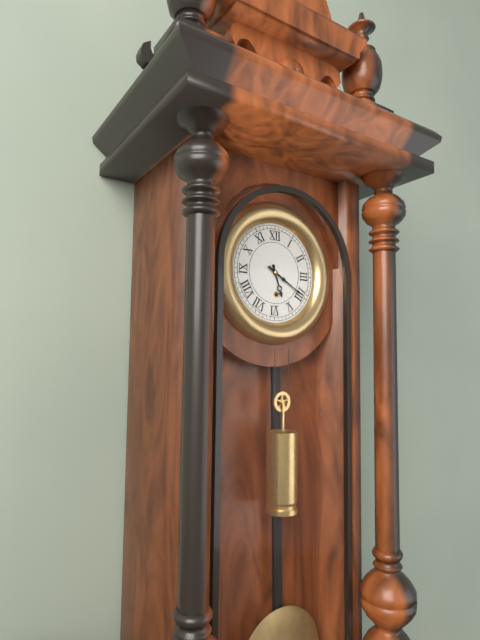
5h20
